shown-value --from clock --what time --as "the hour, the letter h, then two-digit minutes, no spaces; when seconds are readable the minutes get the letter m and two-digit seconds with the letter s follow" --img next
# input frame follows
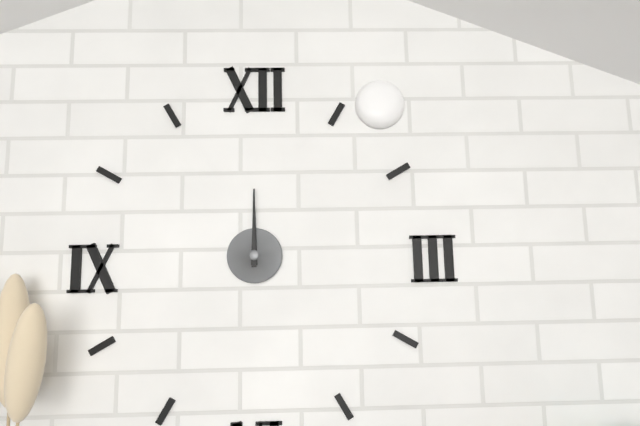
12h00
